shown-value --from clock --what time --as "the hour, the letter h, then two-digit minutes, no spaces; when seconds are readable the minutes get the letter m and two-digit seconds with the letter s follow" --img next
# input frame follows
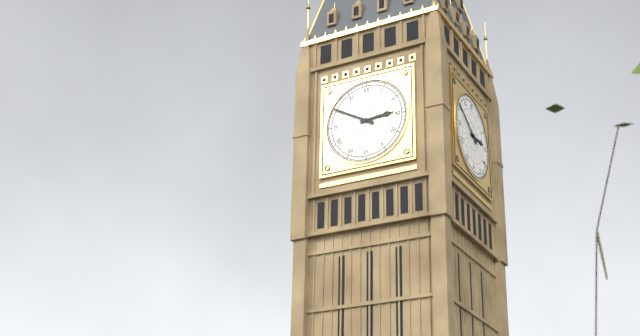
2h50
